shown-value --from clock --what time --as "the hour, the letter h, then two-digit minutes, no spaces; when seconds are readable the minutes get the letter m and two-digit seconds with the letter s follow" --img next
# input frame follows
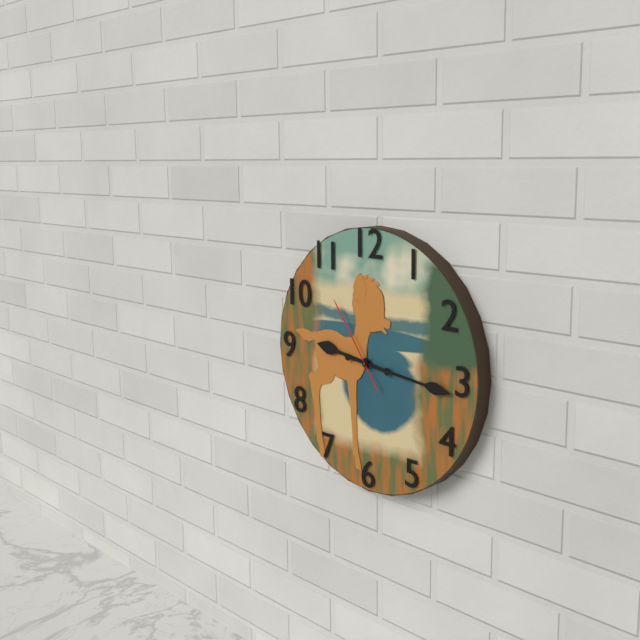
9h16m54s
